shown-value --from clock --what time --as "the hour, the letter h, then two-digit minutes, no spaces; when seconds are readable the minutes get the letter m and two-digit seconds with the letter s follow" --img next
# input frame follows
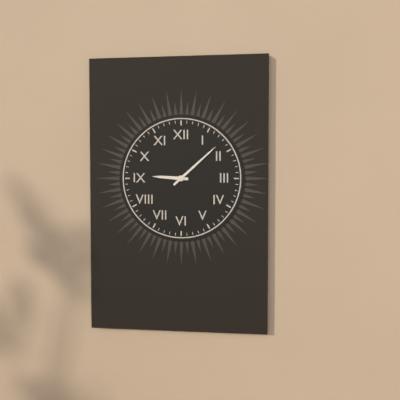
9h08
